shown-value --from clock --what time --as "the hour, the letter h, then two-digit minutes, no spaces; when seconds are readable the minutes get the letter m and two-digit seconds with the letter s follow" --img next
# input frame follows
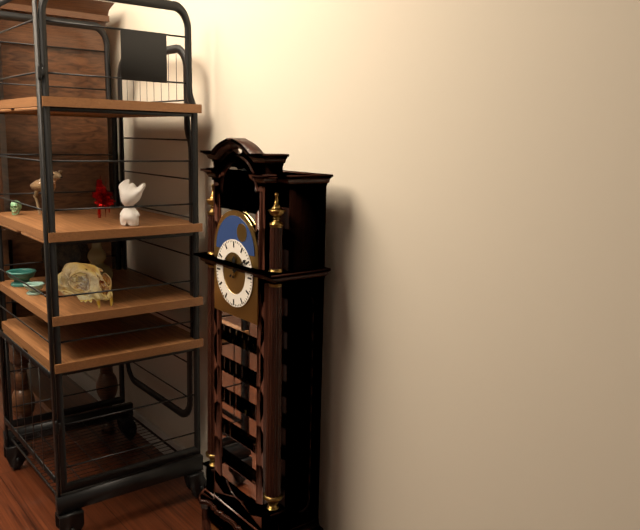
12h09
